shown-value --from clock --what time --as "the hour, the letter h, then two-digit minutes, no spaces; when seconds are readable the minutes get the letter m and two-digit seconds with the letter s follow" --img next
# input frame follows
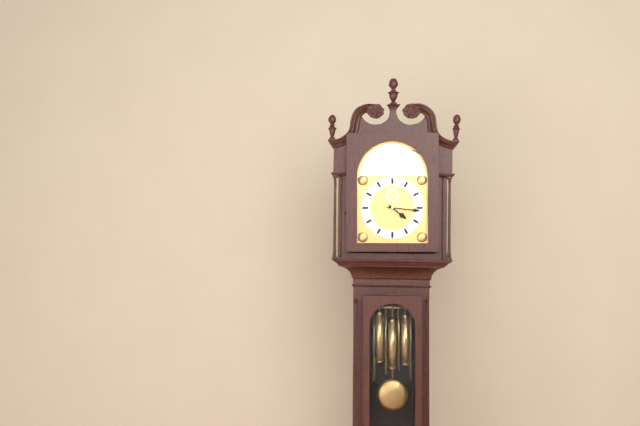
4h16
